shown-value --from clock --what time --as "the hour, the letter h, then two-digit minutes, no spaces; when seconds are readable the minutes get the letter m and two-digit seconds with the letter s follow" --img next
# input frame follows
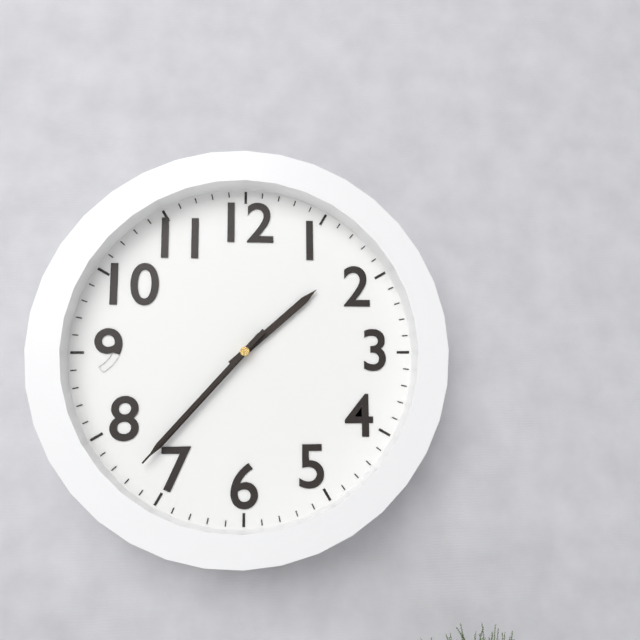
1h37m37s
